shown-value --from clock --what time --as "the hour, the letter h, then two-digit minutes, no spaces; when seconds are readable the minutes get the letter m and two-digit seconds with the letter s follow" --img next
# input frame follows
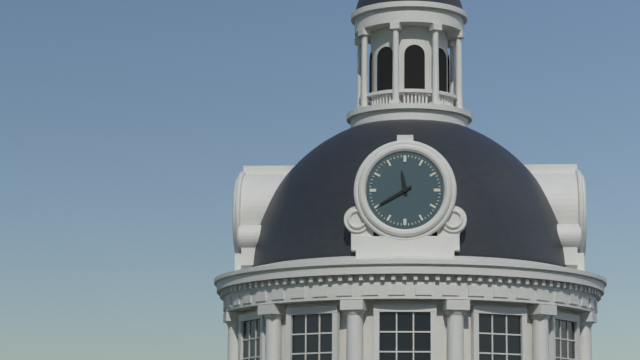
11h40
